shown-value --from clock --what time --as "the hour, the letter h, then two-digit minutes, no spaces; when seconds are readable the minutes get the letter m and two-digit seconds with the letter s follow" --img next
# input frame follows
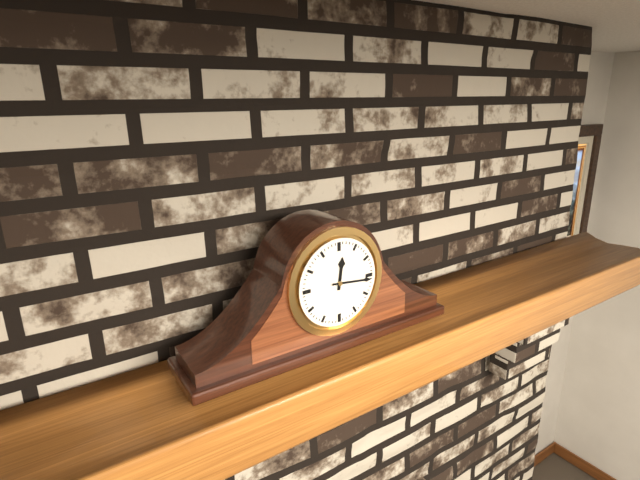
12h16
